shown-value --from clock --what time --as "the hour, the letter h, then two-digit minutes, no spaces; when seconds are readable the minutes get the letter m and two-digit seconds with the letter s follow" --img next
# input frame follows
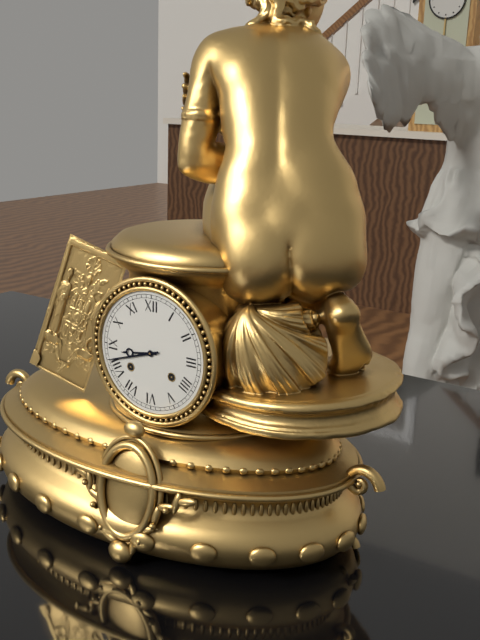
8h42
